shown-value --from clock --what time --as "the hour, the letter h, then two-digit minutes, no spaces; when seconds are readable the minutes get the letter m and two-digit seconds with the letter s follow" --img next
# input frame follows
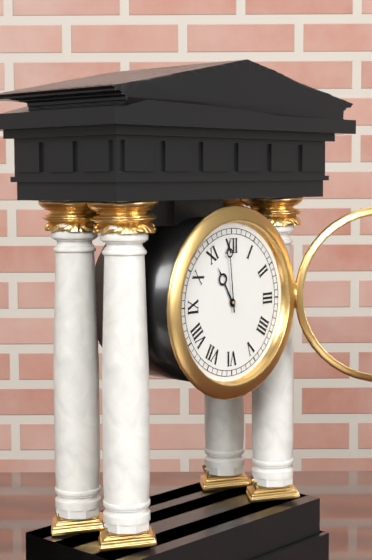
10h59
